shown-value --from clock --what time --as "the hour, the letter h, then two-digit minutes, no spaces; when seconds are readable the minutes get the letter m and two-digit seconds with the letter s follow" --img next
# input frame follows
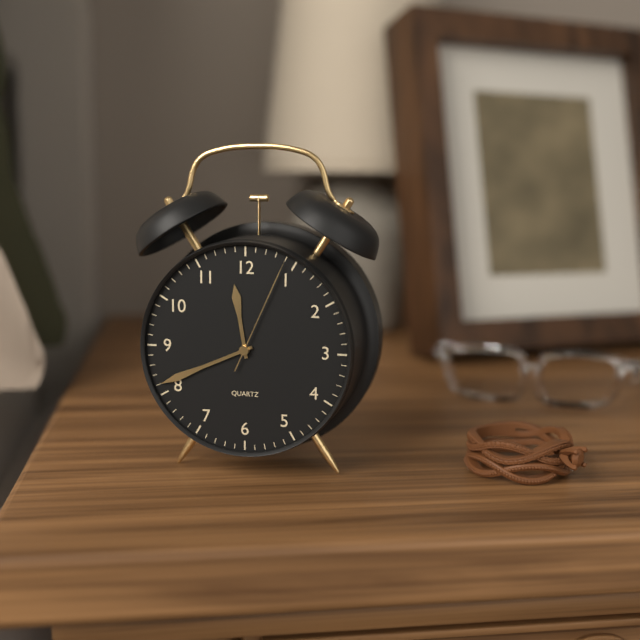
11h41m04s
